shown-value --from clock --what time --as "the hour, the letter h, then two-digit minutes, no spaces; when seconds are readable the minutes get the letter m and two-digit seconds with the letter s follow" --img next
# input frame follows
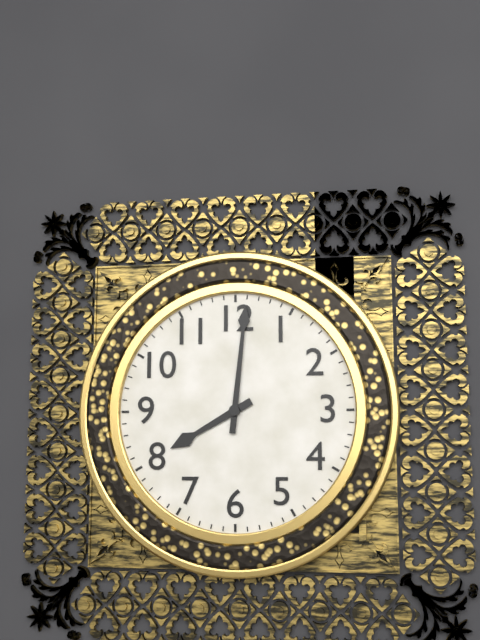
8h01
